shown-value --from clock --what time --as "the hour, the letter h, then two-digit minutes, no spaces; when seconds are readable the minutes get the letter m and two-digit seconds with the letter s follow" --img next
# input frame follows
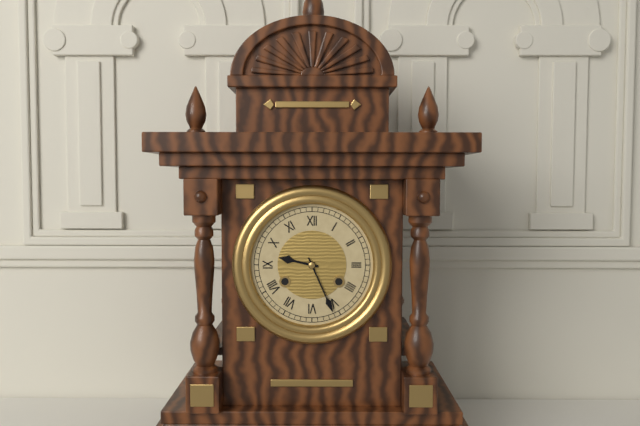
9h26
